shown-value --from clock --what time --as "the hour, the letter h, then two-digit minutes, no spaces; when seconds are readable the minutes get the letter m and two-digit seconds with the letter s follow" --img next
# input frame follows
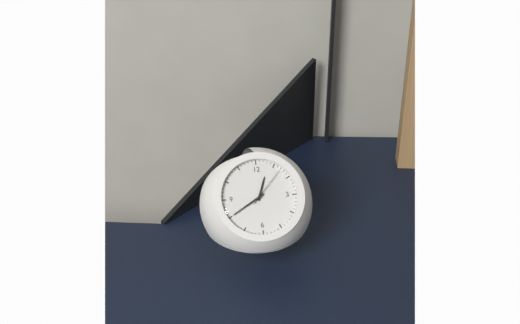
12h40
